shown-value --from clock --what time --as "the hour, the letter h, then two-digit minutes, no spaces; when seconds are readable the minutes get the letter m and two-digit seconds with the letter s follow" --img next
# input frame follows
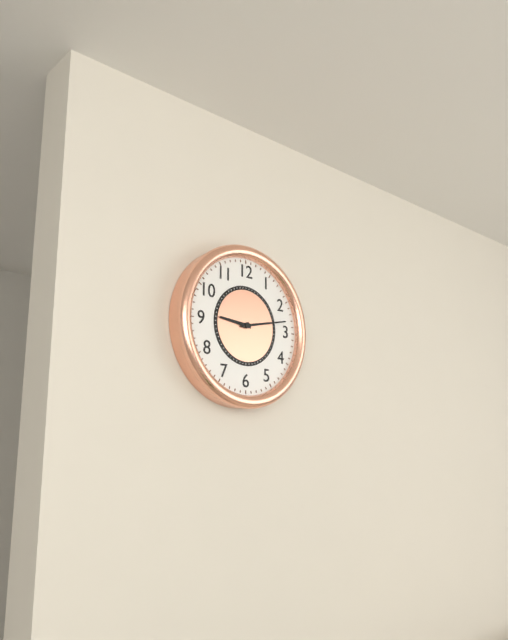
9h13
